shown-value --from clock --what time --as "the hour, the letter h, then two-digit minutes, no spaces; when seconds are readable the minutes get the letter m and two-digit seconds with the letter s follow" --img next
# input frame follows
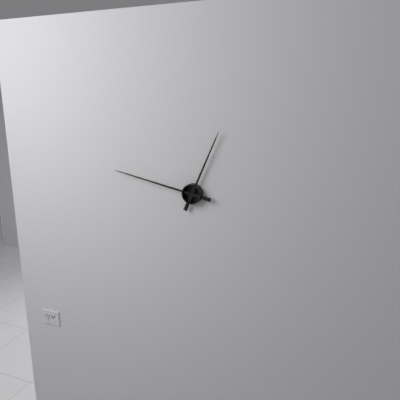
12h47
